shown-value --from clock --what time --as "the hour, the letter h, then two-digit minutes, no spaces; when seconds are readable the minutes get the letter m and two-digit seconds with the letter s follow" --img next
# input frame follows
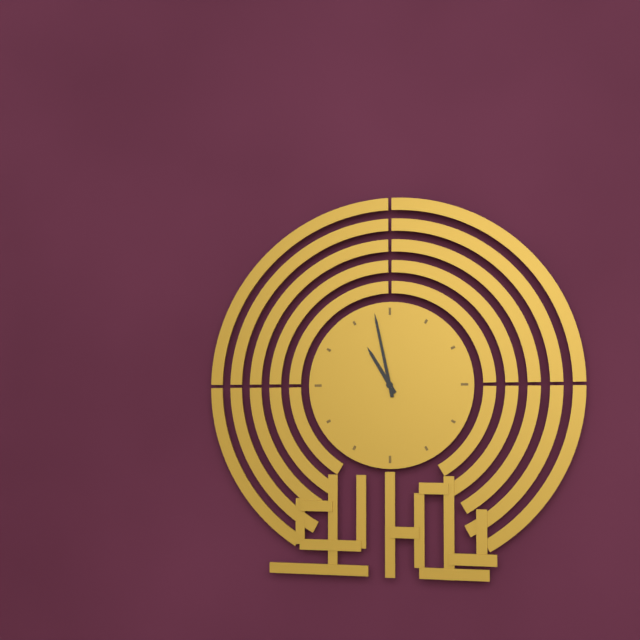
10h58
